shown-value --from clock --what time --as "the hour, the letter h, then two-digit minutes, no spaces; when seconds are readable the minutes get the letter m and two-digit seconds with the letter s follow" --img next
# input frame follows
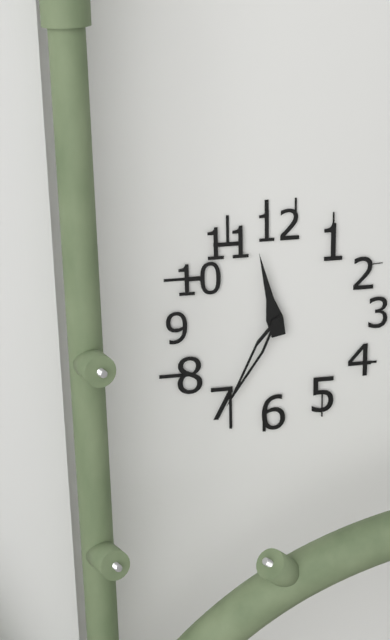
11h35
